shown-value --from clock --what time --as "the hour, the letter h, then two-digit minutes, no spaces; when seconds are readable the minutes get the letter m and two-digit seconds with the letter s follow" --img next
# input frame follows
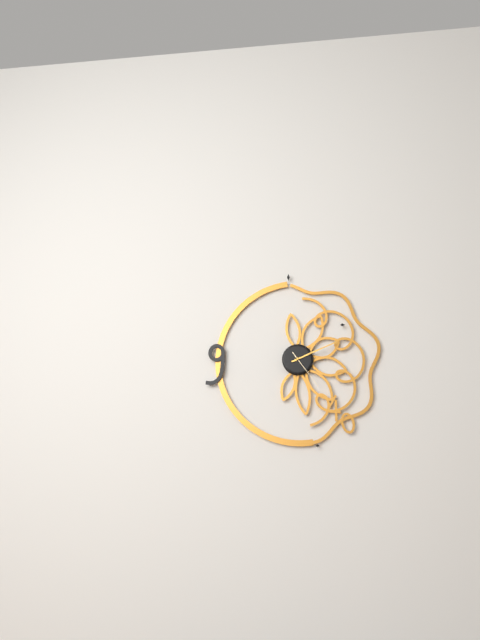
2h11
